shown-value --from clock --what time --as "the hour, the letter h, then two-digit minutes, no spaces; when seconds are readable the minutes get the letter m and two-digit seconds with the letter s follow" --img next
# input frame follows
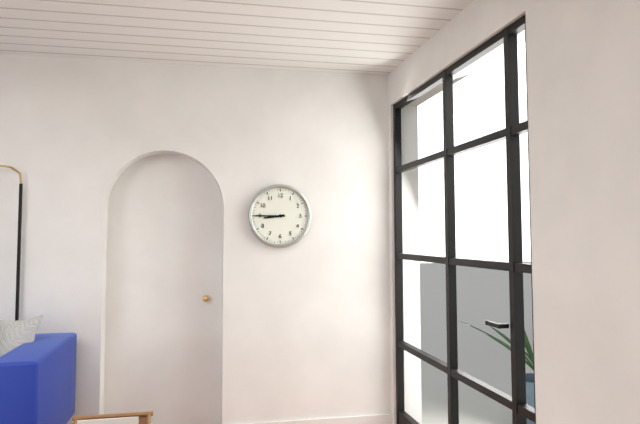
8h45
